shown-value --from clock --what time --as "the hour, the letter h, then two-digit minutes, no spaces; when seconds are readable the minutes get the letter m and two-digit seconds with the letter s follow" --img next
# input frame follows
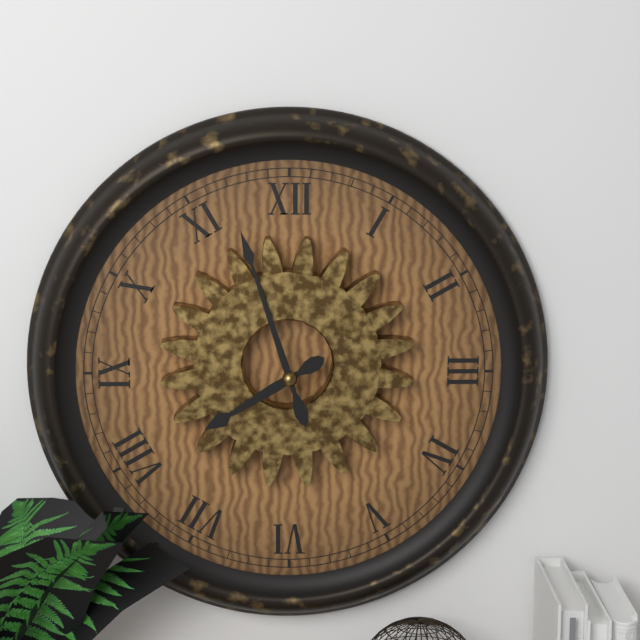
7h57
